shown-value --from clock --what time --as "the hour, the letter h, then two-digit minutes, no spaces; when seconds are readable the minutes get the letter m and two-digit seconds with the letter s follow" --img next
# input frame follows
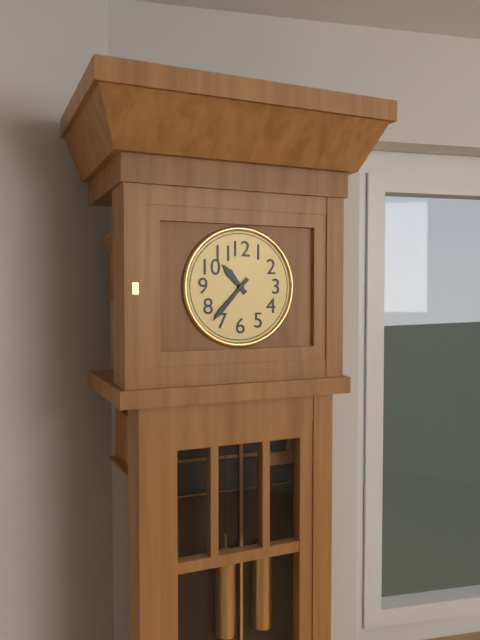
10h37
